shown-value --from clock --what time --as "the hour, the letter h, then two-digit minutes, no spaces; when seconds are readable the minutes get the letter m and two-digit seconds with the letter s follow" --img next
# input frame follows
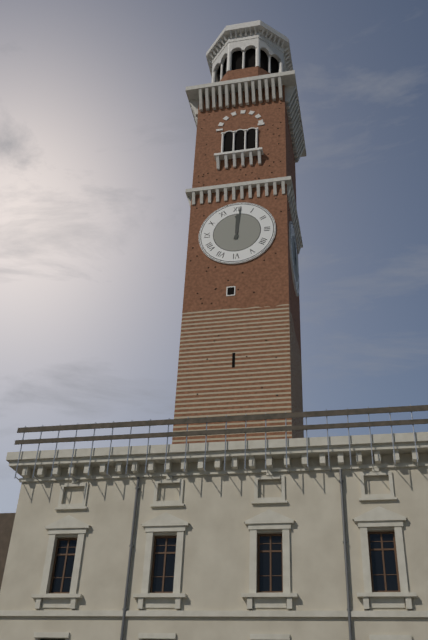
12h01
